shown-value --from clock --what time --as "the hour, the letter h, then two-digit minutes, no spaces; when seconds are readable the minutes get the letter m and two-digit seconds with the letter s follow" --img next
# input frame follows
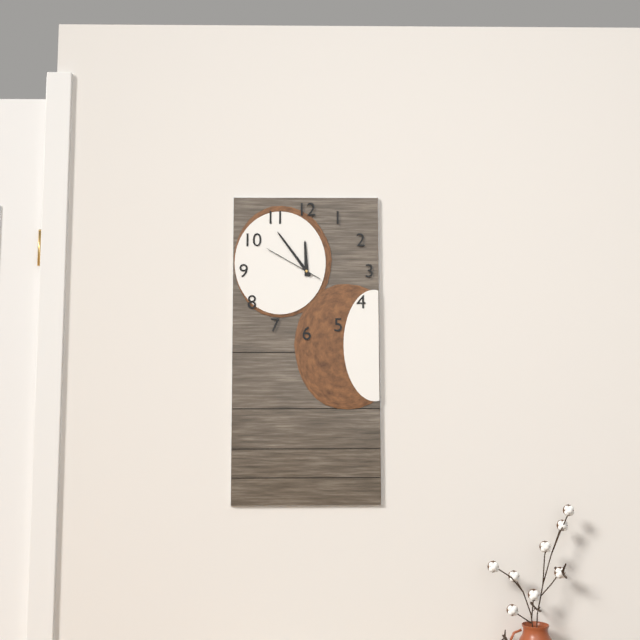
11h54m50s
